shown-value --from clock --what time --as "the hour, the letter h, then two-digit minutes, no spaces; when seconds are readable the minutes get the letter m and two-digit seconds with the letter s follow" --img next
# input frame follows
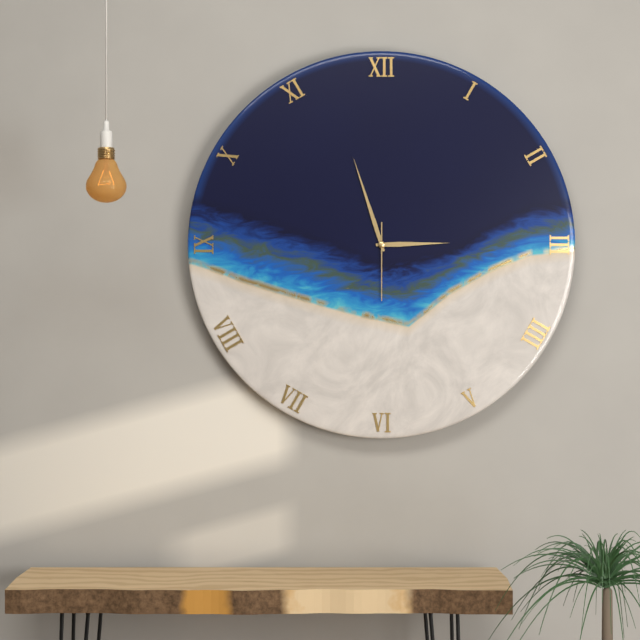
2h57m30s
